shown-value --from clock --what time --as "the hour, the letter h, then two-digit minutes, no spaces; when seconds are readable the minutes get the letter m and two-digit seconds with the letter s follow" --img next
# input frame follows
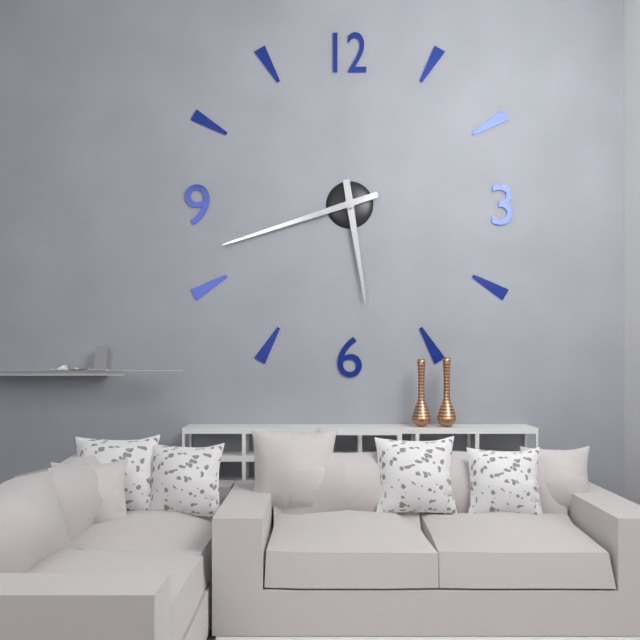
5h42
